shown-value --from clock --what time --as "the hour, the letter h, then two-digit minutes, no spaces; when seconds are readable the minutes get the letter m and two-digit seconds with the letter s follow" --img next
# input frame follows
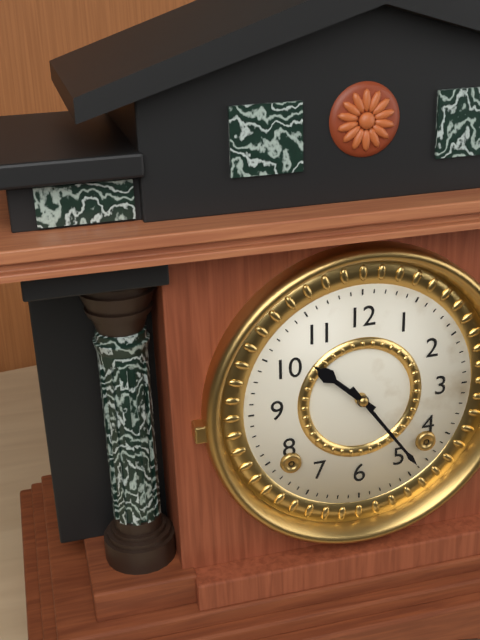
10h24
